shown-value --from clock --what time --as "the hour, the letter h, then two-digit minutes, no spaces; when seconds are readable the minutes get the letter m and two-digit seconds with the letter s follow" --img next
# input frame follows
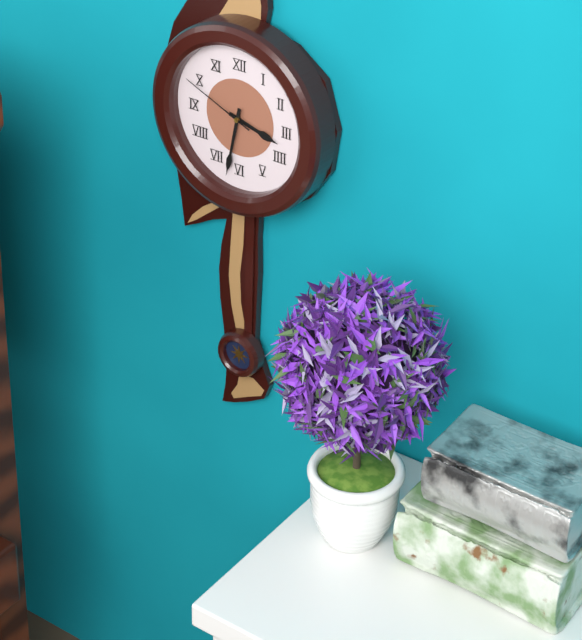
3h32m49s
